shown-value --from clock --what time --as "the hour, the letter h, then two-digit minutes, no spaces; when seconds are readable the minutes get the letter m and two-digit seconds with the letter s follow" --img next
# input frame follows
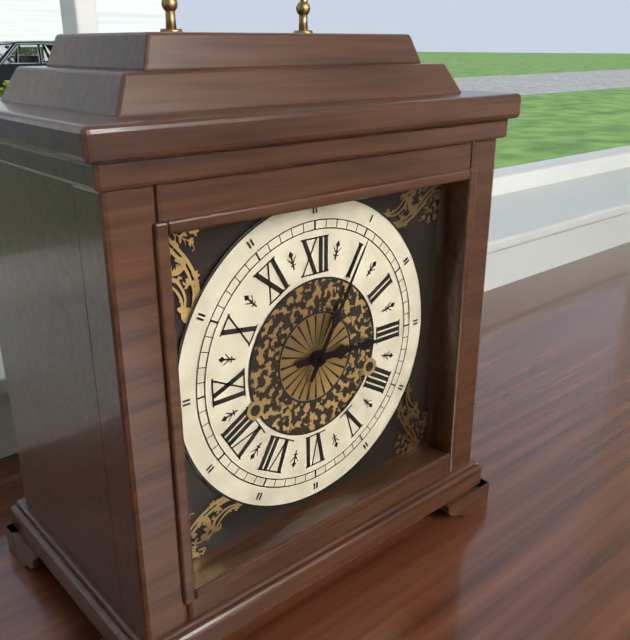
3h05
